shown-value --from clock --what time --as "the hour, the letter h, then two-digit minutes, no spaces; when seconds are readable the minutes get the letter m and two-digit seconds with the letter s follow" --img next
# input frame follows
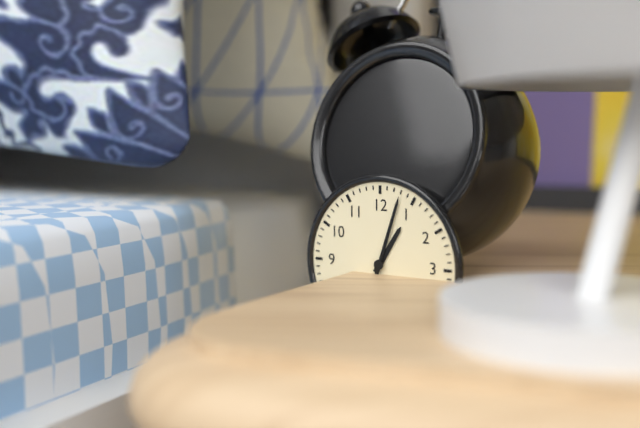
1h03
